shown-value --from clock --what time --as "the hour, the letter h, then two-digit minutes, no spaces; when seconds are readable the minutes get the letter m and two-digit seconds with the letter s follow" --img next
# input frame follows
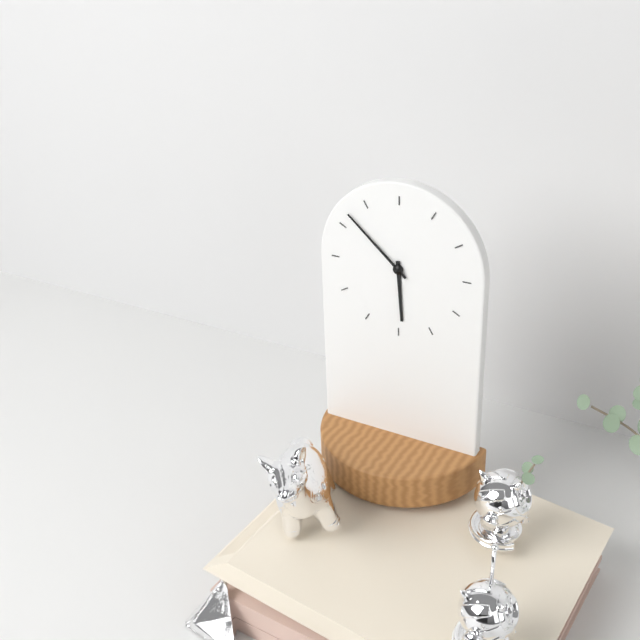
5h52
